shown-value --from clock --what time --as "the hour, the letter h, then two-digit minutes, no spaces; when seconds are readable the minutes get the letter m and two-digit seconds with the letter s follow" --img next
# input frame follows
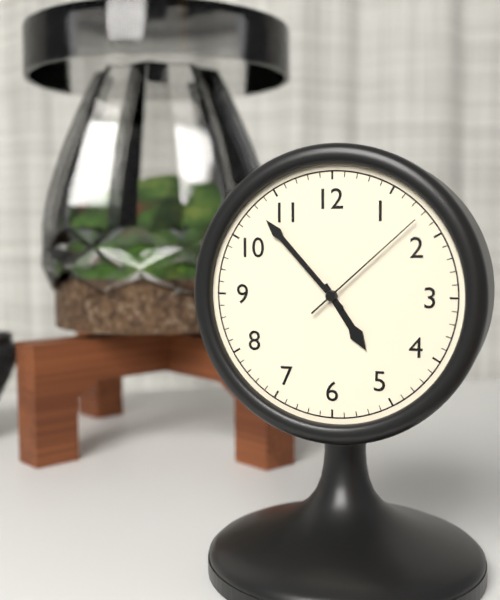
4h53m08s
